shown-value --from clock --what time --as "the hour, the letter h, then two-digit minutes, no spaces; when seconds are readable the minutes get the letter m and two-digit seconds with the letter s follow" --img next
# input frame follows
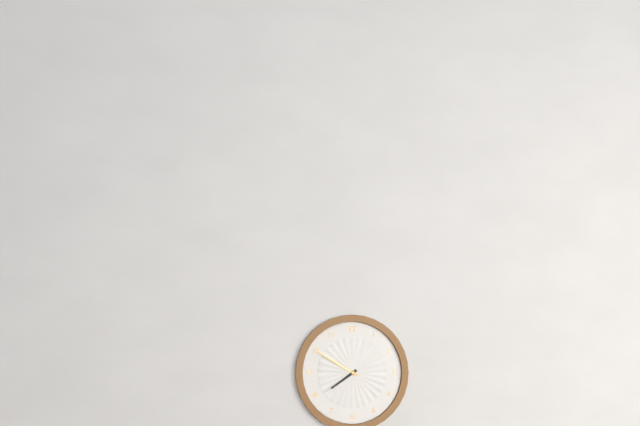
7h50
